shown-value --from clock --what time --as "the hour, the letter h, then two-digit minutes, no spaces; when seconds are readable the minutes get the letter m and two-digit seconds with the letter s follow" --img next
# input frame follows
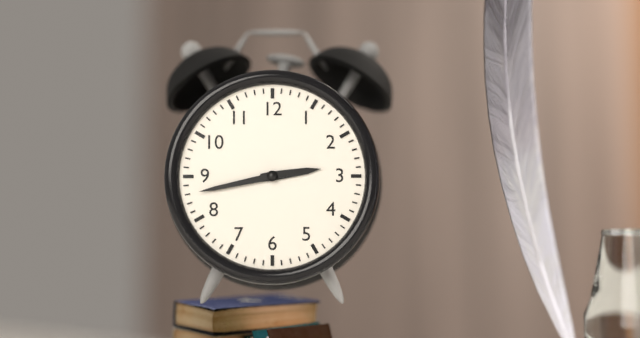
2h43
